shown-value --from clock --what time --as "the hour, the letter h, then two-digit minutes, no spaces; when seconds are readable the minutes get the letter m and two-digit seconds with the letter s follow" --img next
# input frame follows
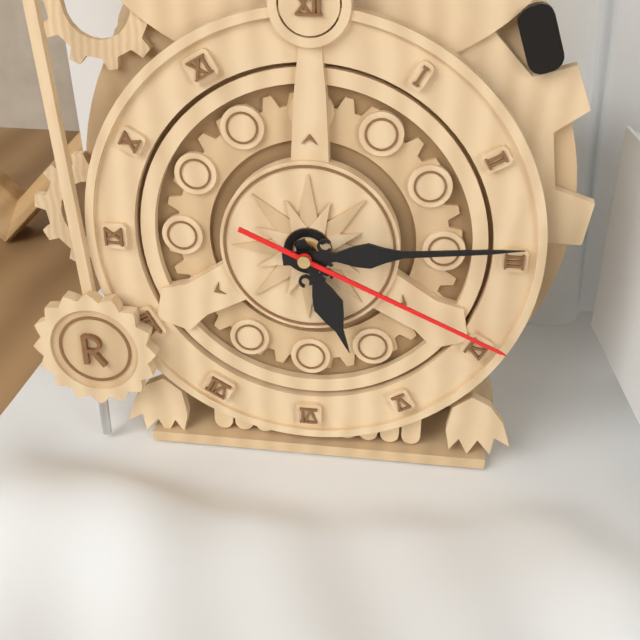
5h14m19s
